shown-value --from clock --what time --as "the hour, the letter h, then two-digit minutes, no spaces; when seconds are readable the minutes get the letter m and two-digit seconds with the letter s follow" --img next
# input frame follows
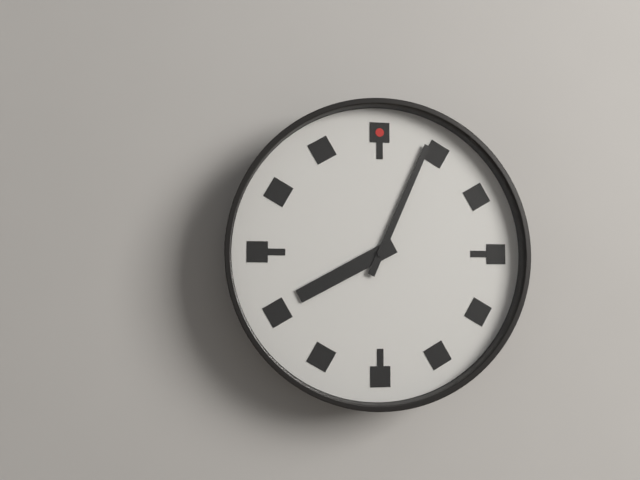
8h04
